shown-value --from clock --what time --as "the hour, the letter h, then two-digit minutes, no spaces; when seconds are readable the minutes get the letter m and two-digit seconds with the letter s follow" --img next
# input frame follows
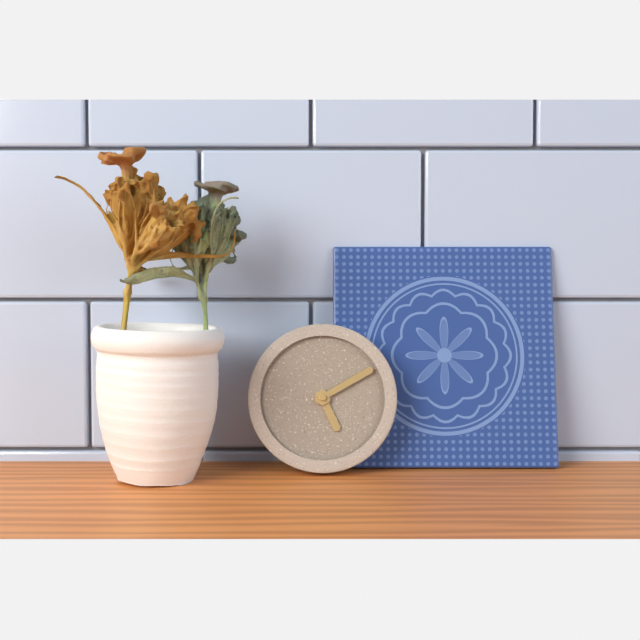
5h10
